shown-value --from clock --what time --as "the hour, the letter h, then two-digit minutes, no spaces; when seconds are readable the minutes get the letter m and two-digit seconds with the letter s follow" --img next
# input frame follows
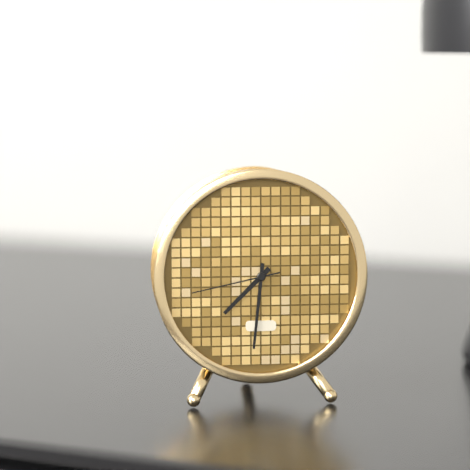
7h31m43s
